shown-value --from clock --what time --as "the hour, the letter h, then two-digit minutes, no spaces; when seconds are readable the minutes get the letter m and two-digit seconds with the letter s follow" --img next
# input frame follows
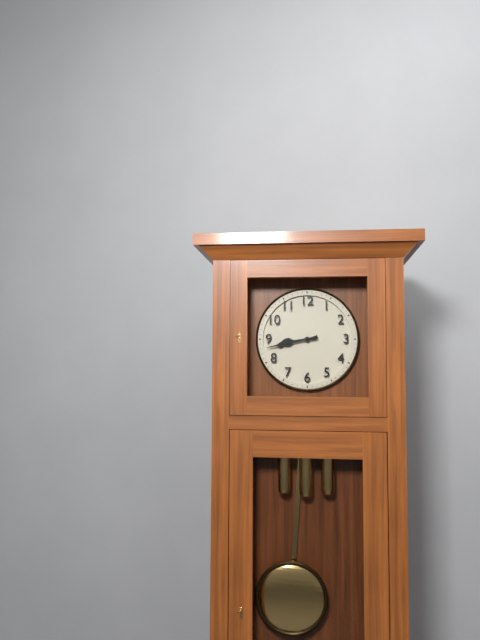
8h43
